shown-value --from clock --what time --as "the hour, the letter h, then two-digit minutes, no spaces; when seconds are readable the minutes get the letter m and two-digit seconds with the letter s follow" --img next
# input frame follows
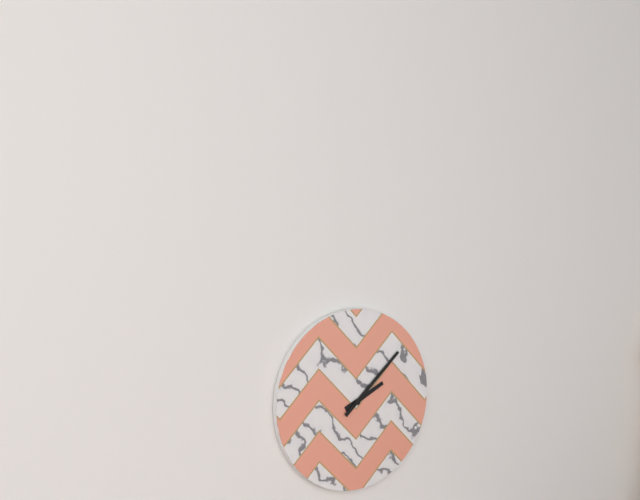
2h08
